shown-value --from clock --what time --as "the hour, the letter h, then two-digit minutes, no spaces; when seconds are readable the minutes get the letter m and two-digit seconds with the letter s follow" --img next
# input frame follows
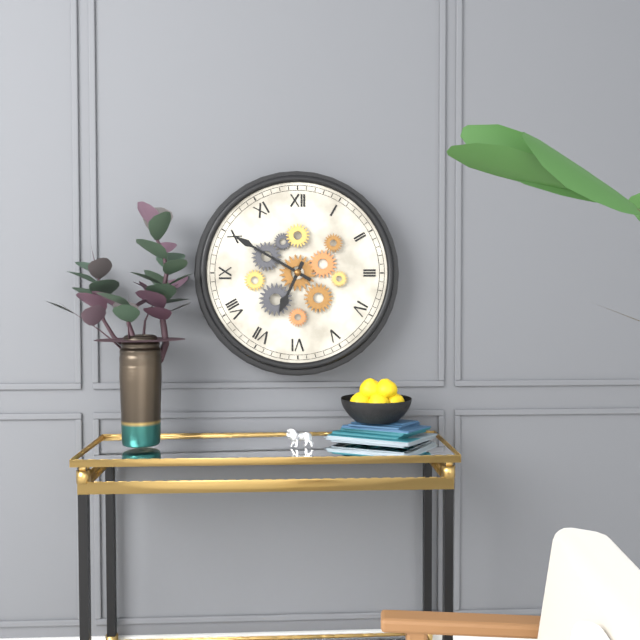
6h50
